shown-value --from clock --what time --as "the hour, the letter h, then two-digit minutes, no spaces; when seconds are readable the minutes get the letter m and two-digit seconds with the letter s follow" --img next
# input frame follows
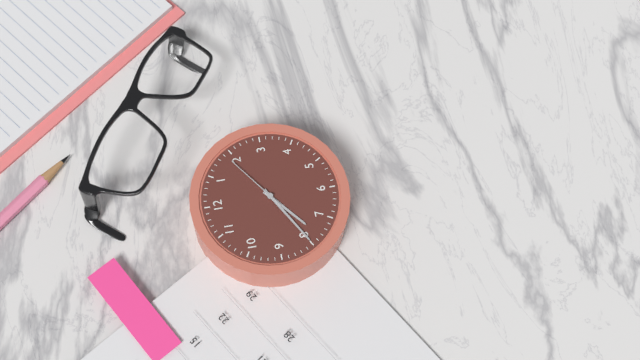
7h40m09s
